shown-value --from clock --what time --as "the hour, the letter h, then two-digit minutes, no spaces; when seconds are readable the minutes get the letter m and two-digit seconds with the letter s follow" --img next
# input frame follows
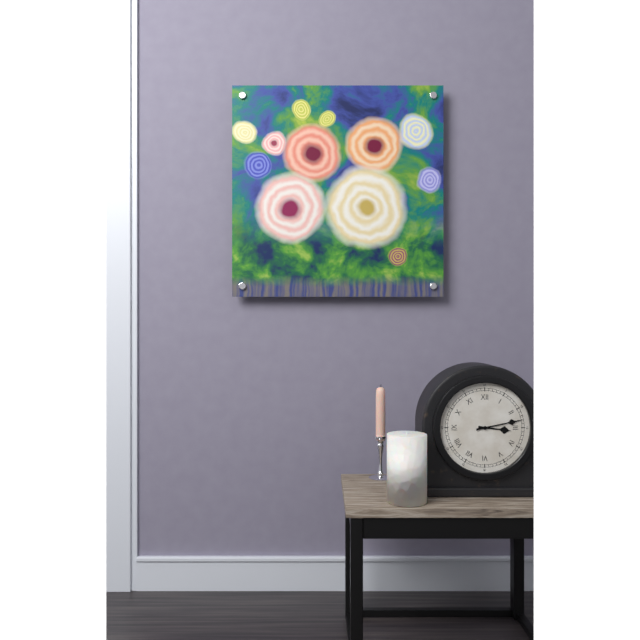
3h13
